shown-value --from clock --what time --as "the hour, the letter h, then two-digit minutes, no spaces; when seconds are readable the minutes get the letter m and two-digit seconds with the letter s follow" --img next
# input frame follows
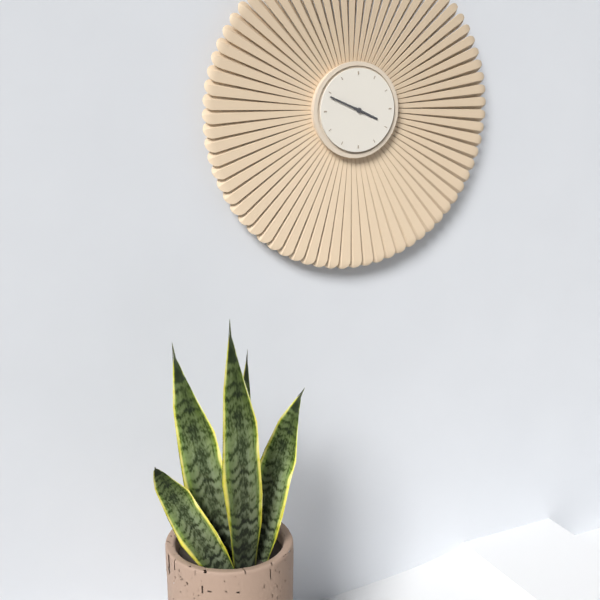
3h49
